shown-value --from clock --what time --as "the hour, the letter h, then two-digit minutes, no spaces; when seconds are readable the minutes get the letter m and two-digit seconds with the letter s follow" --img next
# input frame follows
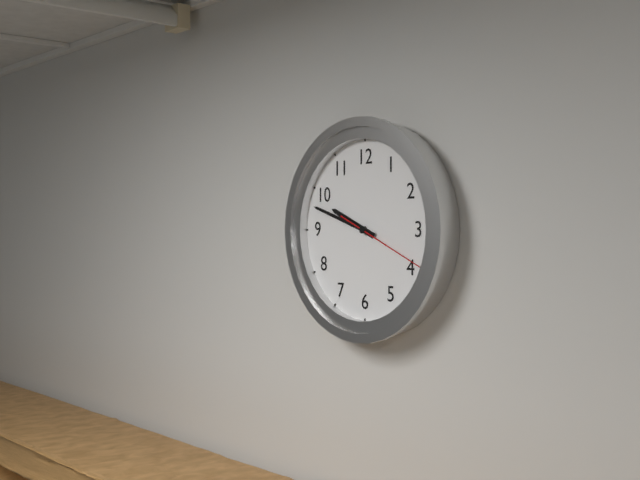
9h48m19s
